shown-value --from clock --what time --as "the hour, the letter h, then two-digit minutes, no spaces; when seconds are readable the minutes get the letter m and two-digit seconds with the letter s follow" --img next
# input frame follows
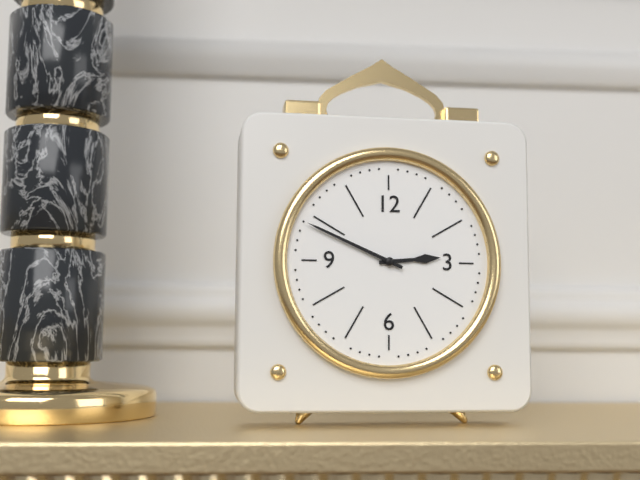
2h49
